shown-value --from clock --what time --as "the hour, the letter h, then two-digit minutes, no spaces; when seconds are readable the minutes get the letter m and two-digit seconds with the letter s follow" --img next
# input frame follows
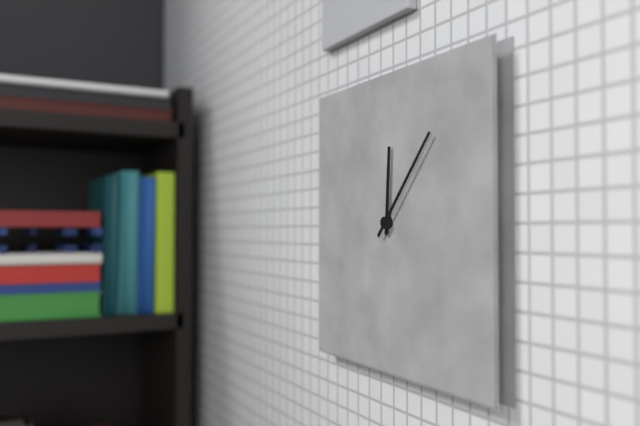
12h07
